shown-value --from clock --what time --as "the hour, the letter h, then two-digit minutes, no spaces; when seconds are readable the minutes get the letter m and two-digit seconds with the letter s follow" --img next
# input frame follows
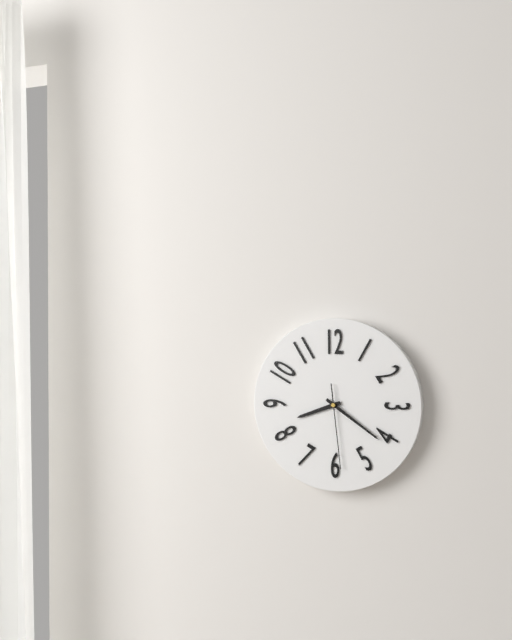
8h21m29s
